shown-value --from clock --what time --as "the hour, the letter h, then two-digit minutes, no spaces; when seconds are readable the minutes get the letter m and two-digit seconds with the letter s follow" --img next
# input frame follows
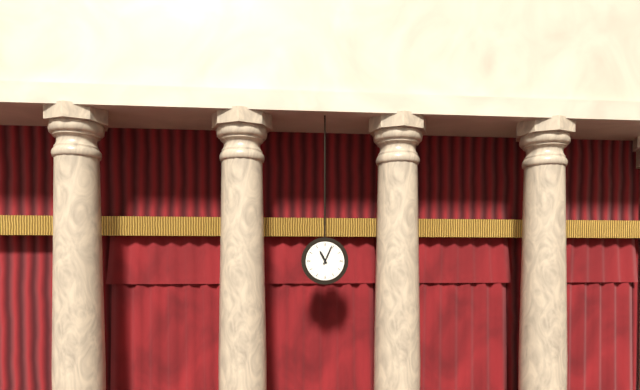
11h04
